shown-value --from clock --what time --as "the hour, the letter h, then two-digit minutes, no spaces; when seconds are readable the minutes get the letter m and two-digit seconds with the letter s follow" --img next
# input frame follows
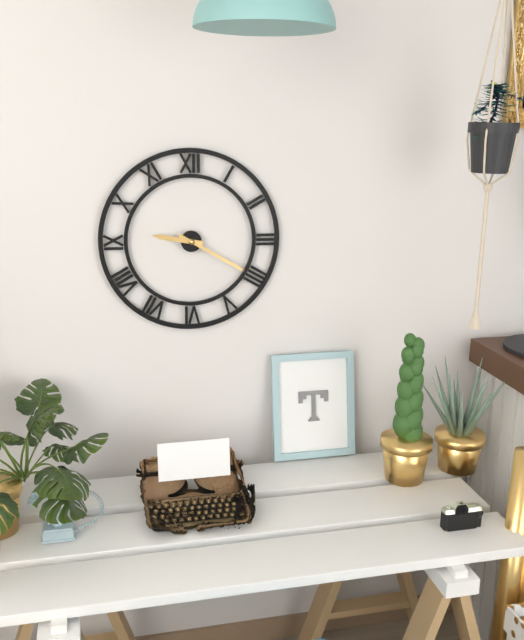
9h20
